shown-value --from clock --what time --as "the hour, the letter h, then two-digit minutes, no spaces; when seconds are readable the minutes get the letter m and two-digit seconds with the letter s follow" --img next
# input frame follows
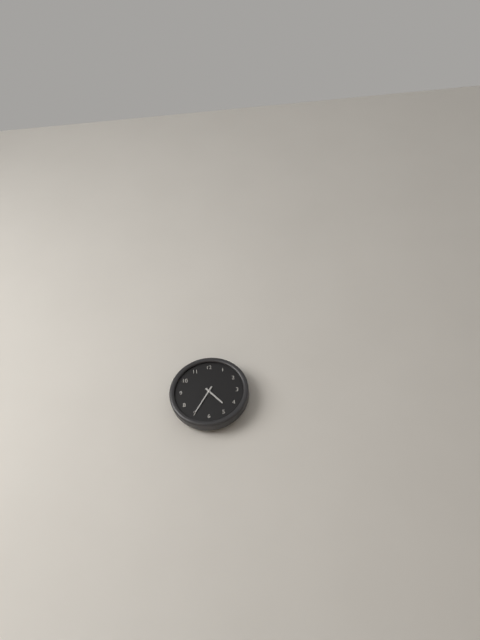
4h35
